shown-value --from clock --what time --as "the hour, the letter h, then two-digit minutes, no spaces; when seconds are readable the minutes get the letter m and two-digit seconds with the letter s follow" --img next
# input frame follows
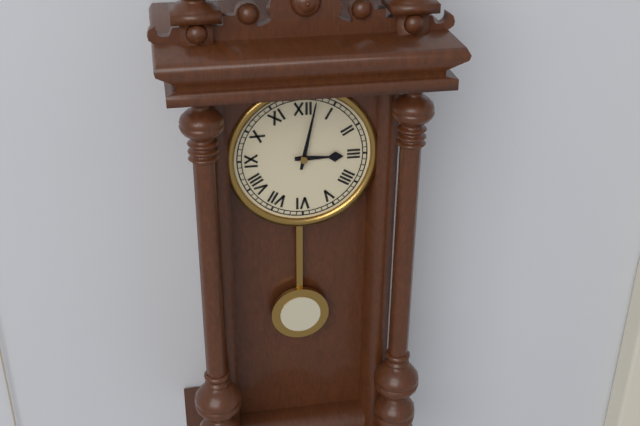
3h02
